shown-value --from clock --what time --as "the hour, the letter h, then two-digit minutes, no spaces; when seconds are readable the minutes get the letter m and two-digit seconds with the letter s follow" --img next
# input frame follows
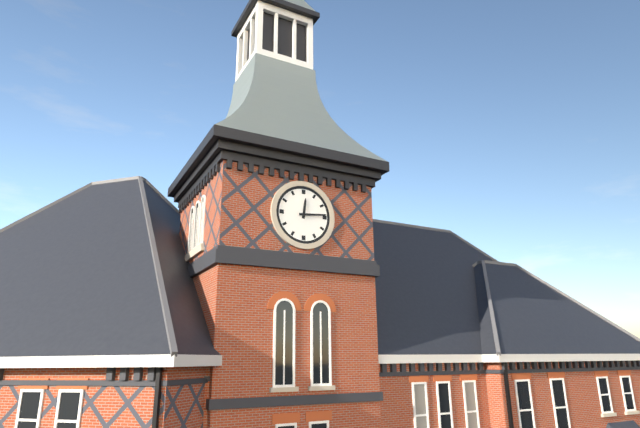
12h14
